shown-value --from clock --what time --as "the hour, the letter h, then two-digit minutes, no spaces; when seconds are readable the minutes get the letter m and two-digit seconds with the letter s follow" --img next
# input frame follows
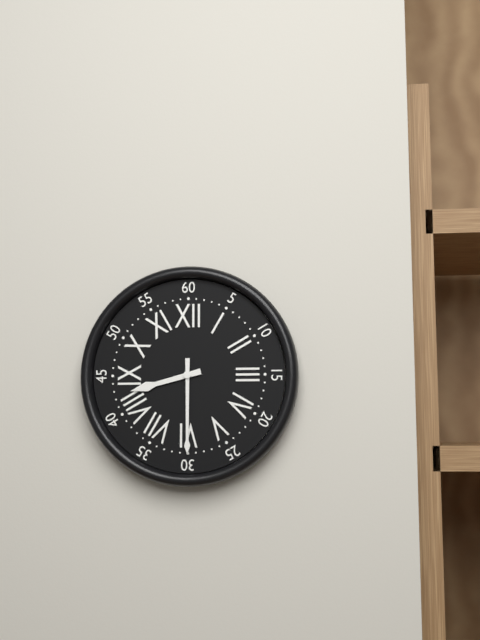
8h30
